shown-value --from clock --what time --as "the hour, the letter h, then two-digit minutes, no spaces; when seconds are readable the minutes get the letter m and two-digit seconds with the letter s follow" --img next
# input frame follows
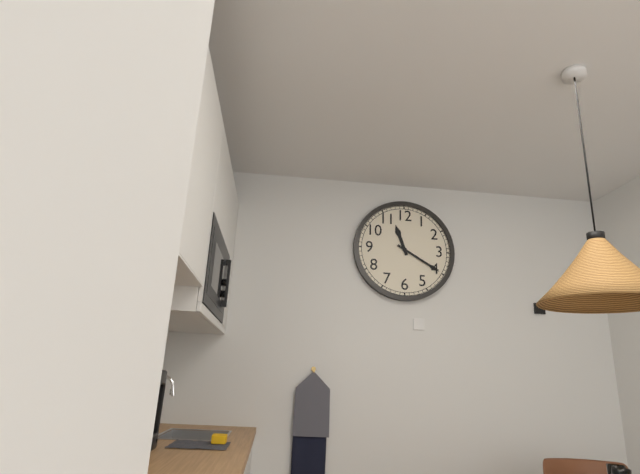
11h20
